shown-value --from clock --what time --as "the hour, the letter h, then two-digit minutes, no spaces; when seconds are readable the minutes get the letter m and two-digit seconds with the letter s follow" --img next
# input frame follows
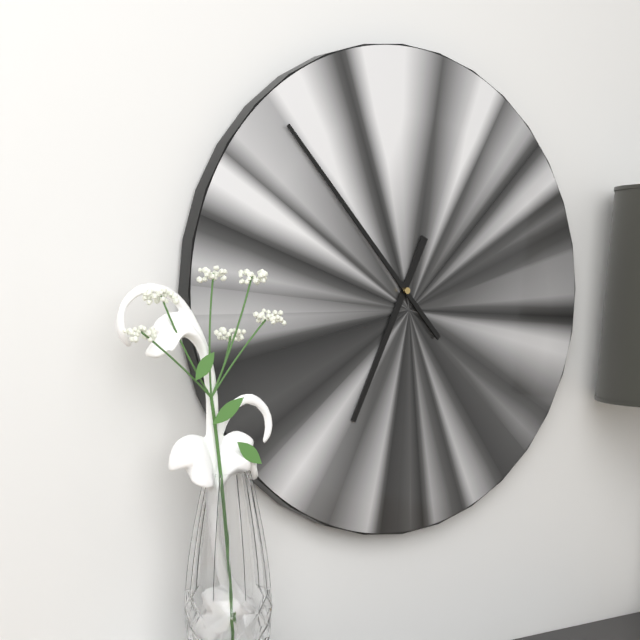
6h53
